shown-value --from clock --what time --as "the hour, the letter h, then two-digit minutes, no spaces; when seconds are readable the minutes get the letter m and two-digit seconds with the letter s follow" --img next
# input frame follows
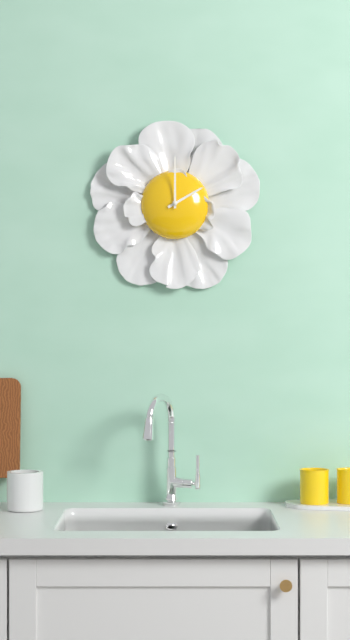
2h00
